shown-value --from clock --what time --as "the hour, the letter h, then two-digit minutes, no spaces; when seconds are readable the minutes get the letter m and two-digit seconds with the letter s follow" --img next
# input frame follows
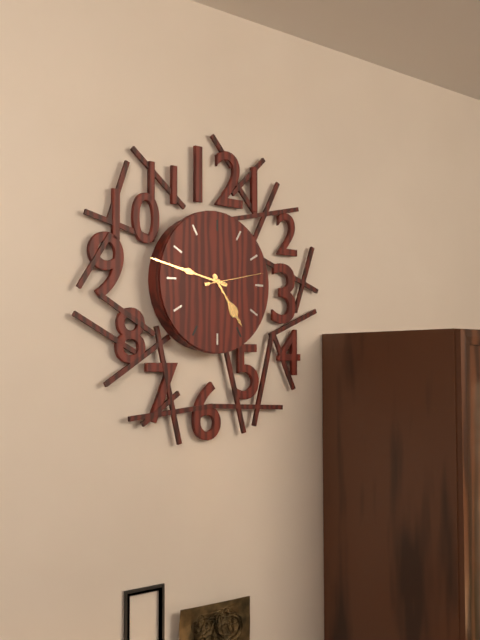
4h47m13s
